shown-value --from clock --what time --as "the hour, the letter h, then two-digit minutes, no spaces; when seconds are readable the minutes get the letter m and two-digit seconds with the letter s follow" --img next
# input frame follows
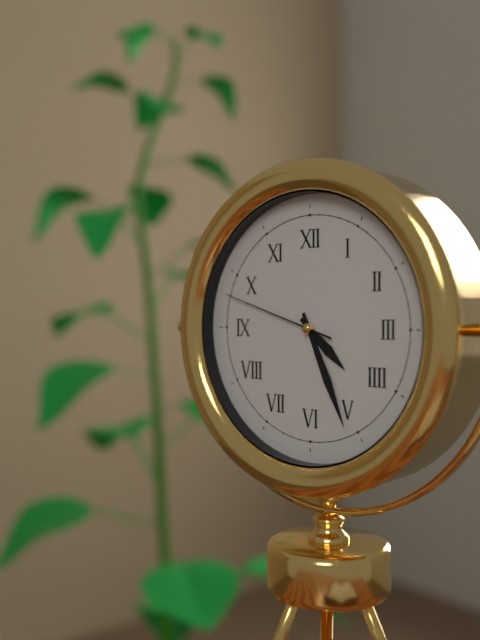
4h26m48s
